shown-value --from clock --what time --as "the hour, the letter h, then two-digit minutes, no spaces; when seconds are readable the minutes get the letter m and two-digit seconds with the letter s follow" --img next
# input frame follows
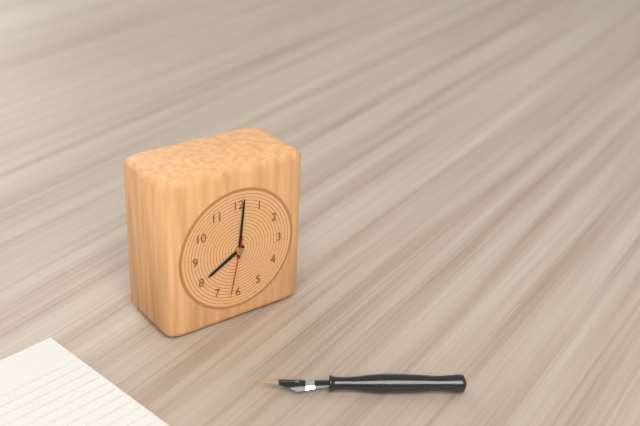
8h01m32s
